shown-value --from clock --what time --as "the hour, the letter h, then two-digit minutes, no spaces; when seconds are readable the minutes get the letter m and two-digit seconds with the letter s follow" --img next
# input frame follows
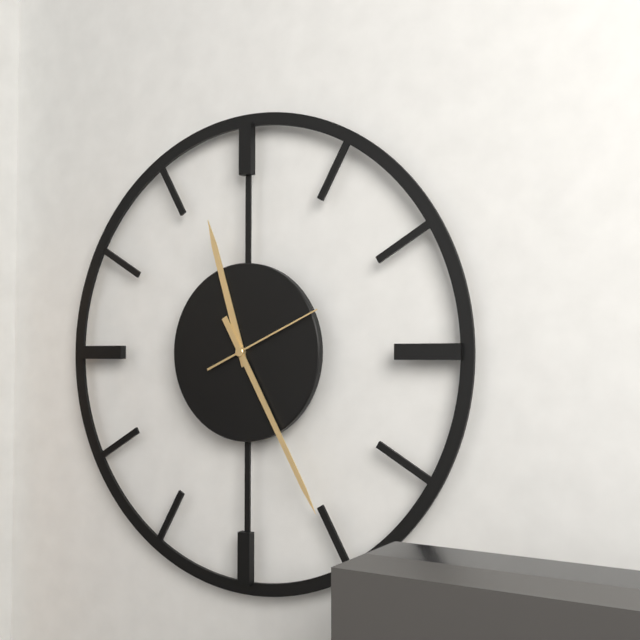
11h25m11s
